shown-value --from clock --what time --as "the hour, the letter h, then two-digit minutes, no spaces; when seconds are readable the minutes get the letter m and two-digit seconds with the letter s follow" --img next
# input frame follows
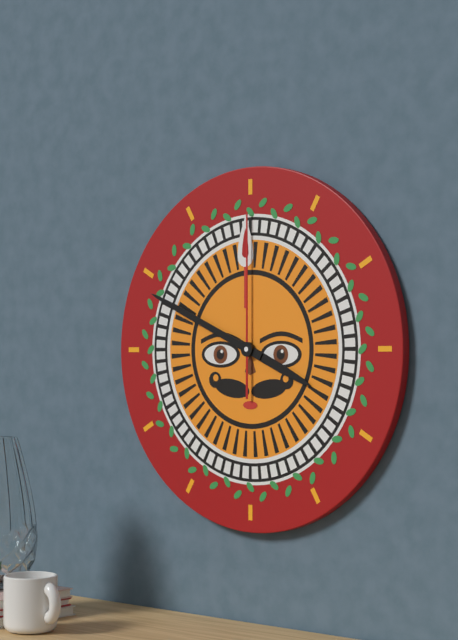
3h49m00s
